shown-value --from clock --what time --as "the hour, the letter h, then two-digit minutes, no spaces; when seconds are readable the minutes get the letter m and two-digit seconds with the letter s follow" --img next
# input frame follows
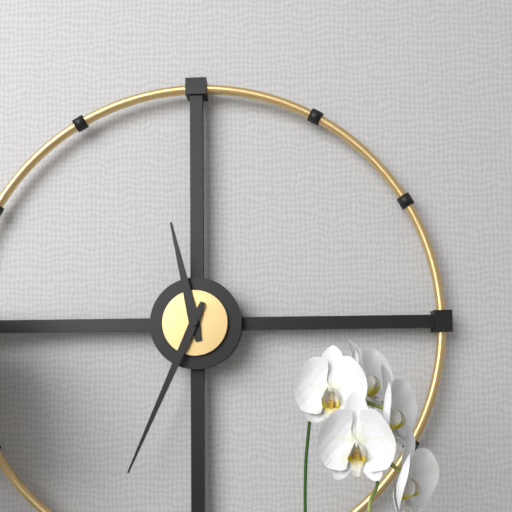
11h34
